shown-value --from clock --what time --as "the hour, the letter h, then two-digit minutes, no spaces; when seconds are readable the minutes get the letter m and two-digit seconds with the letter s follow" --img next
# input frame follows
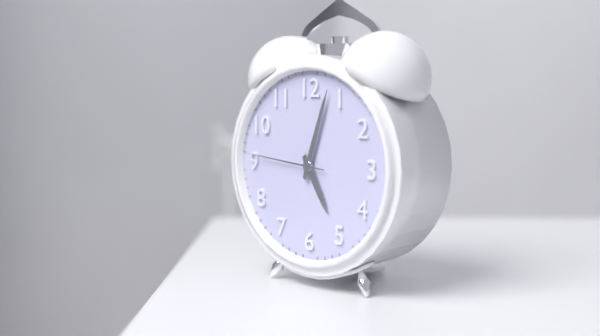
5h03m46s
